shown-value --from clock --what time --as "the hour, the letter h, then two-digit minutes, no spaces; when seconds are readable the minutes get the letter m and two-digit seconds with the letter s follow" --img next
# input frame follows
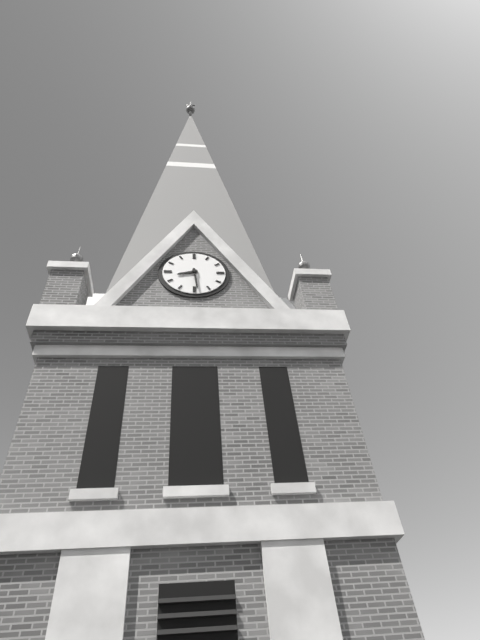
8h29
